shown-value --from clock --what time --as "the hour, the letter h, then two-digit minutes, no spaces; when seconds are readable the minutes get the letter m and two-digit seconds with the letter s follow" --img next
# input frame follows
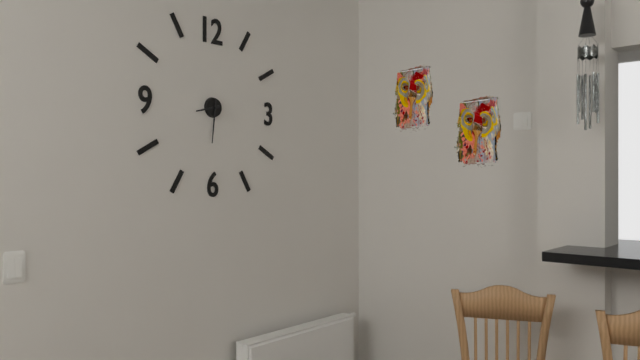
8h31
